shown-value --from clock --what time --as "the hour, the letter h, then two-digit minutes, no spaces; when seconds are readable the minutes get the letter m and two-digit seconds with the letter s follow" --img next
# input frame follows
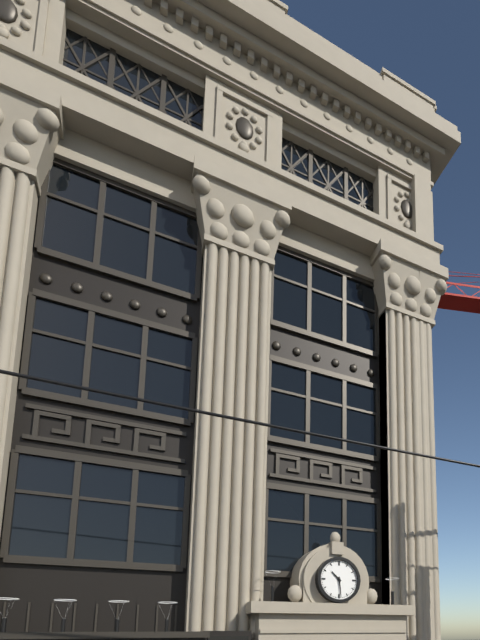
10h29
